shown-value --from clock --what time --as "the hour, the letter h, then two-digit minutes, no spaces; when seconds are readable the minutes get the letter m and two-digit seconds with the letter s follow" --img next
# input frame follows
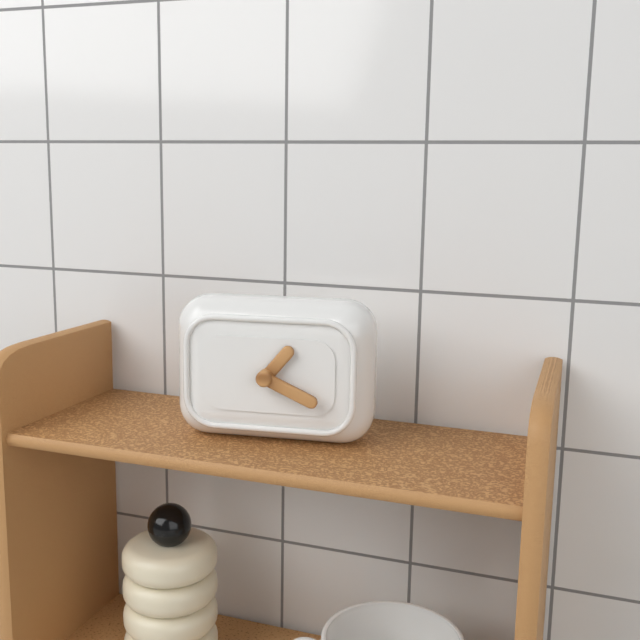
1h19
